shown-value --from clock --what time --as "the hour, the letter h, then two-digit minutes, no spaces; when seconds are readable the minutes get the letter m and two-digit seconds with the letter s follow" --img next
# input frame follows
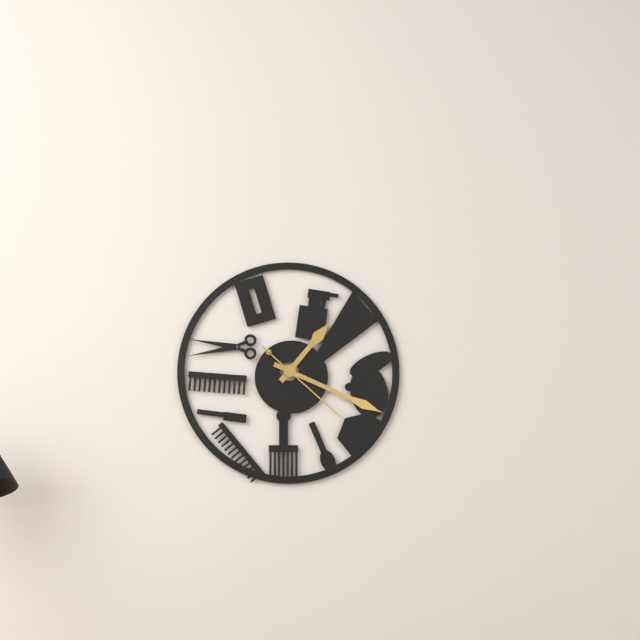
1h19m22s
